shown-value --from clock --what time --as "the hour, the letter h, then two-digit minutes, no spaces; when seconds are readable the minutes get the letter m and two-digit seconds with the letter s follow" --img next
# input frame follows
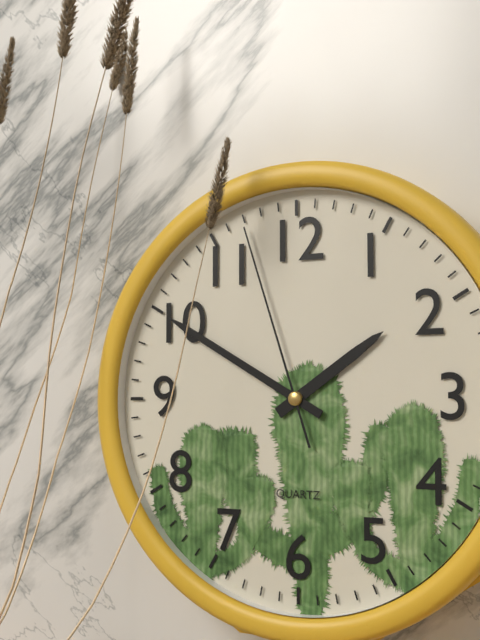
1h50m57s
